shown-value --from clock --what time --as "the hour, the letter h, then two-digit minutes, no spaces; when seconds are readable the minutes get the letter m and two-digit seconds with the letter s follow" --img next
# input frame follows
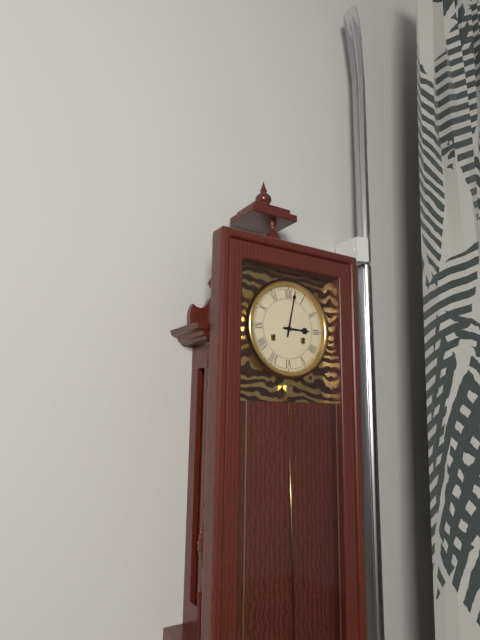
3h02
